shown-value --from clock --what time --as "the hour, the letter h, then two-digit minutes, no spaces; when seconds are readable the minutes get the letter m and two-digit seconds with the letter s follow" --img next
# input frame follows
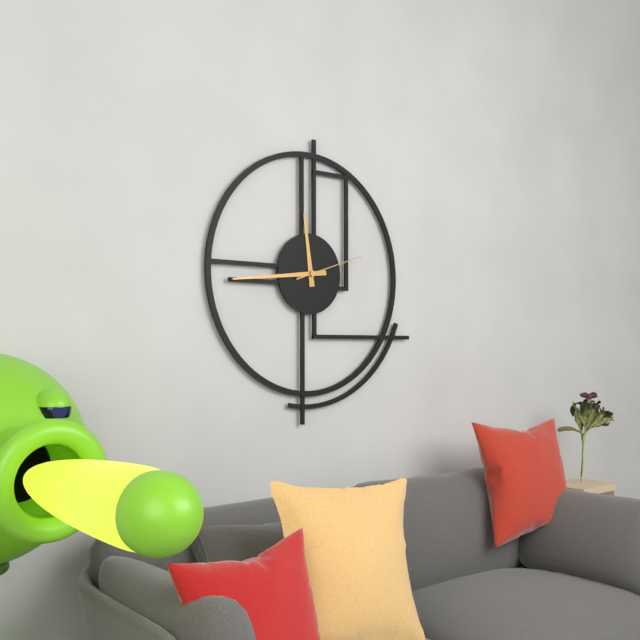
11h44m12s
